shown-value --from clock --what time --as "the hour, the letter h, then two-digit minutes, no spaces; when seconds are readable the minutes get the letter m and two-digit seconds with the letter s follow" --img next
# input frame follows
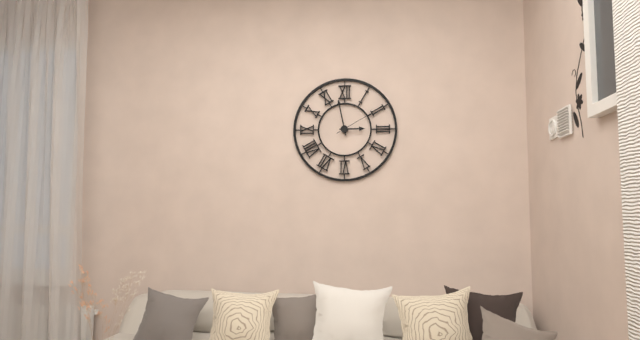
2h58
